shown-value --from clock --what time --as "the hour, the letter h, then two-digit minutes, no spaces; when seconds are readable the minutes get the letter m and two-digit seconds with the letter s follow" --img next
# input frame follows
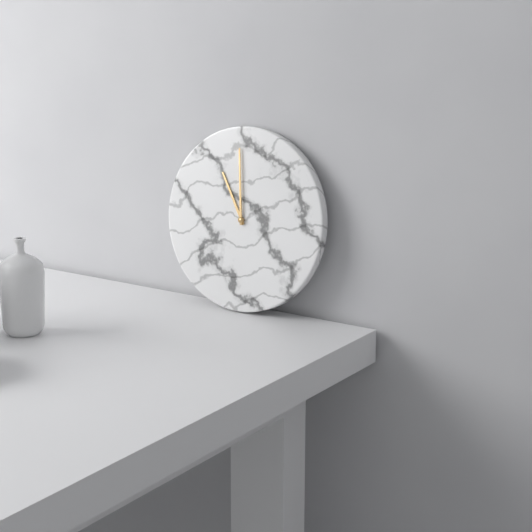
10h59
